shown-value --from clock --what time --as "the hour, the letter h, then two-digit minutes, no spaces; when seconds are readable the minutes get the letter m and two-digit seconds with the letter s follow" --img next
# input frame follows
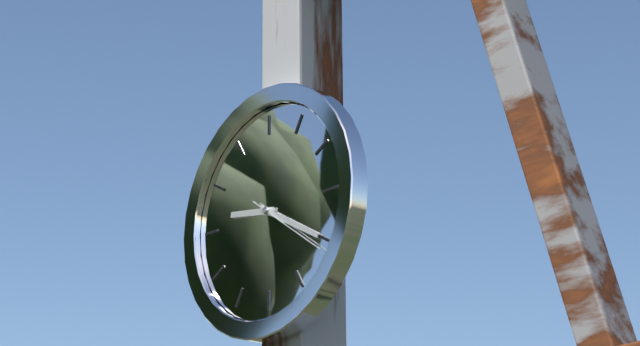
9h20m21s
